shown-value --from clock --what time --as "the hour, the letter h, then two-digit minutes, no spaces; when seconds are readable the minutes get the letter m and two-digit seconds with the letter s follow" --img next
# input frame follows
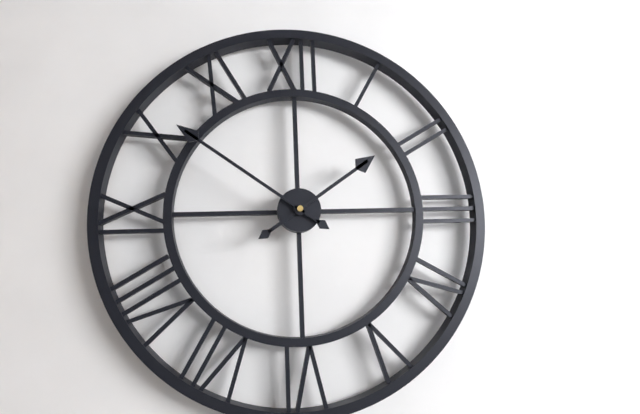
1h51
